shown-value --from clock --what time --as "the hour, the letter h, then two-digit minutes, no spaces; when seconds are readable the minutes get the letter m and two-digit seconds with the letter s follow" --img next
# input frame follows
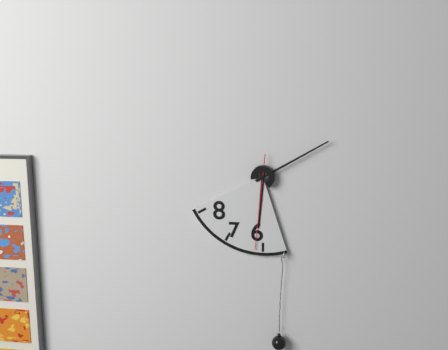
6h10m31s
